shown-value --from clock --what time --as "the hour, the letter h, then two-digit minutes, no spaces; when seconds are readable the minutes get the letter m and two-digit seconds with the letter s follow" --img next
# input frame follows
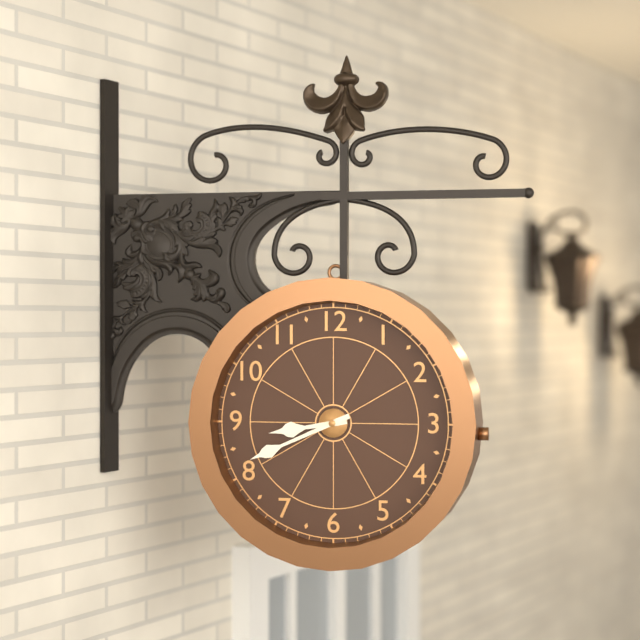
8h41
